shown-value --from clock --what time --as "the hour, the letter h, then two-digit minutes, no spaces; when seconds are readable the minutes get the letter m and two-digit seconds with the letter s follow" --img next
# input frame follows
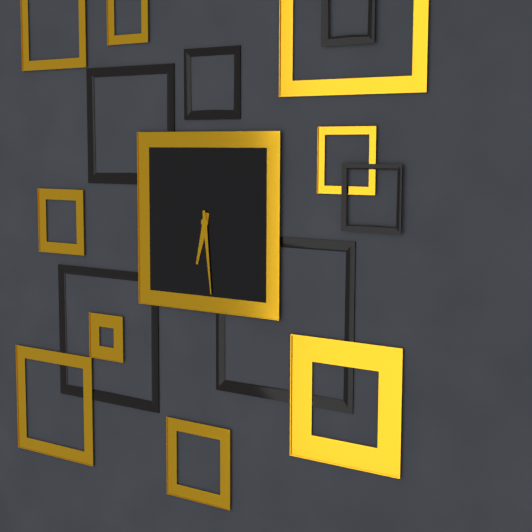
6h29
